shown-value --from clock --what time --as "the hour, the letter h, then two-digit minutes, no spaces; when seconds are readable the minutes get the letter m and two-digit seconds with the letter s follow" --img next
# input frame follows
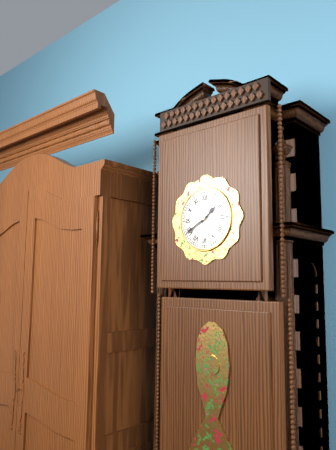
1h40
